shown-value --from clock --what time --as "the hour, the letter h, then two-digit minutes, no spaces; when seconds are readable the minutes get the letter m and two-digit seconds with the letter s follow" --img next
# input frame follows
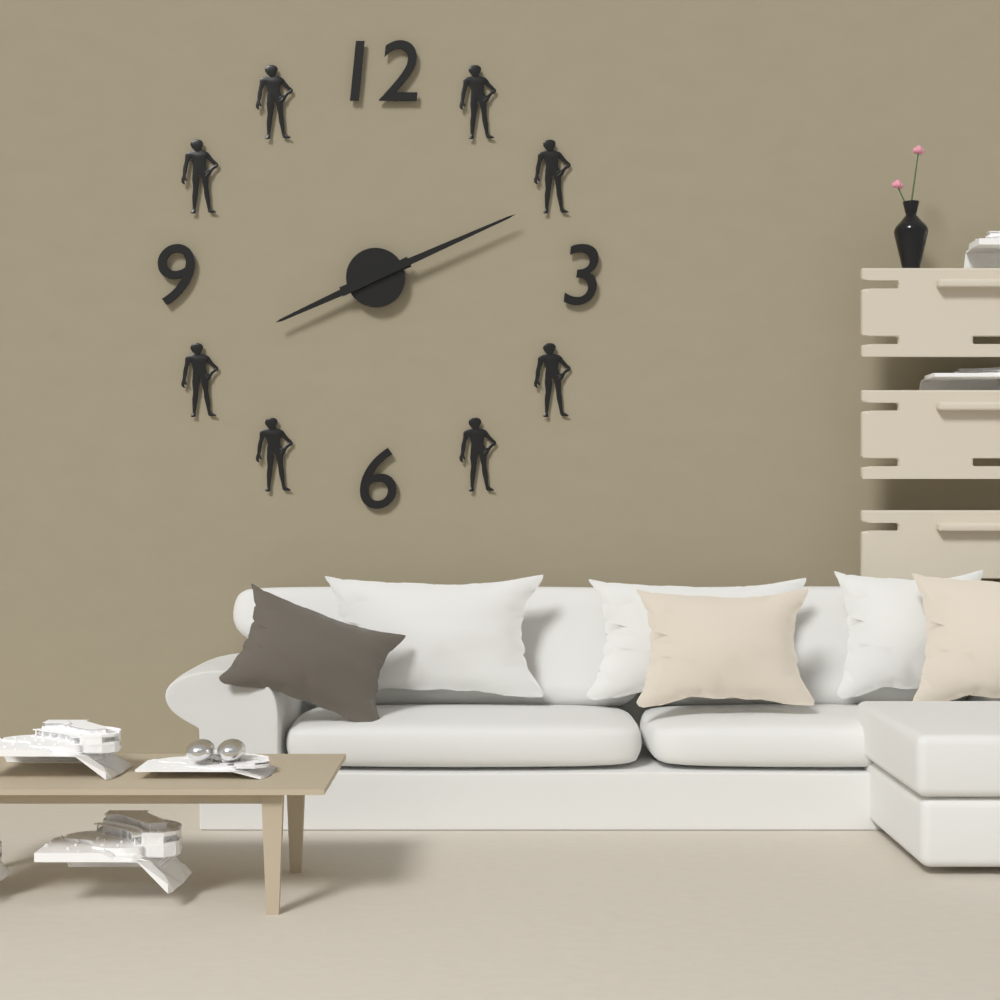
8h11
